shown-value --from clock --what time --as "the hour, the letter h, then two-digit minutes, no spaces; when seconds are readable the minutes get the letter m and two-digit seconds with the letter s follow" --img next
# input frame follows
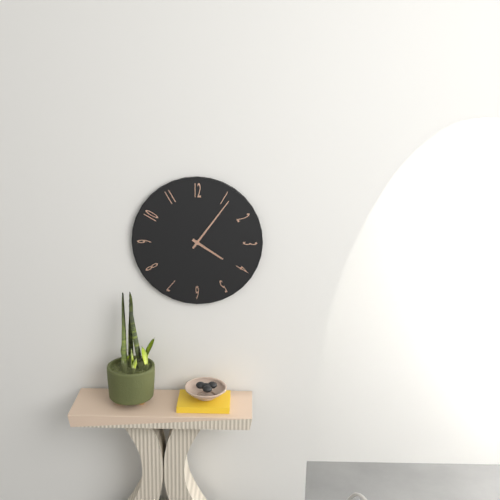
4h06
